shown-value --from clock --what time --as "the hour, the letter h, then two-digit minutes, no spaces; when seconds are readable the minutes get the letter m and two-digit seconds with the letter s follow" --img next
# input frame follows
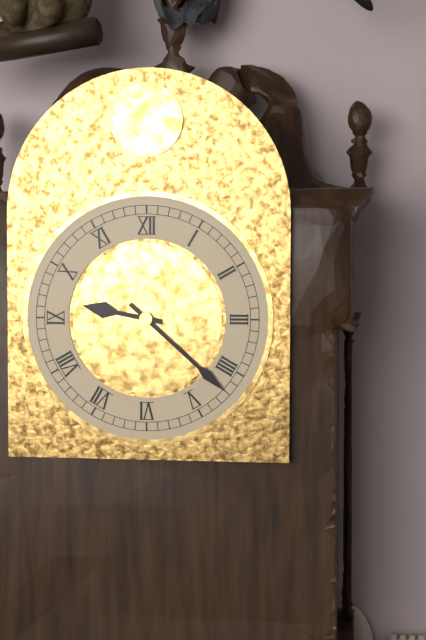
9h22
